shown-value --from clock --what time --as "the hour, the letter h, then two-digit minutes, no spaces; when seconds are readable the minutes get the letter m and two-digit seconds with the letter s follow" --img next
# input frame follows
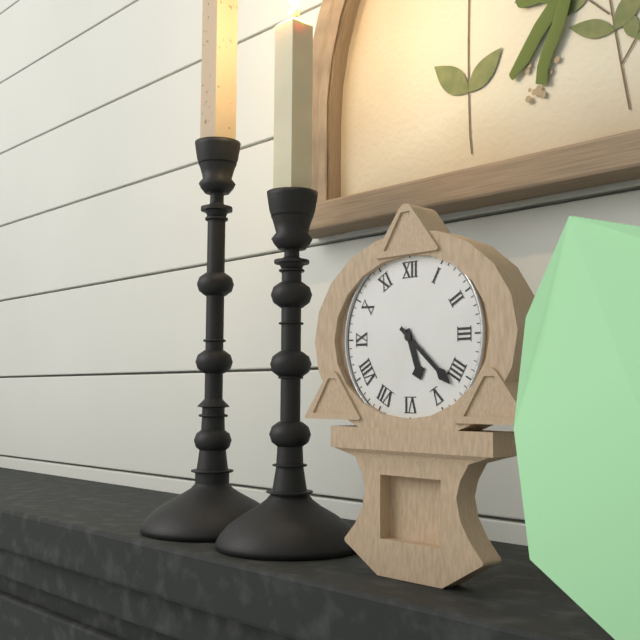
5h22
